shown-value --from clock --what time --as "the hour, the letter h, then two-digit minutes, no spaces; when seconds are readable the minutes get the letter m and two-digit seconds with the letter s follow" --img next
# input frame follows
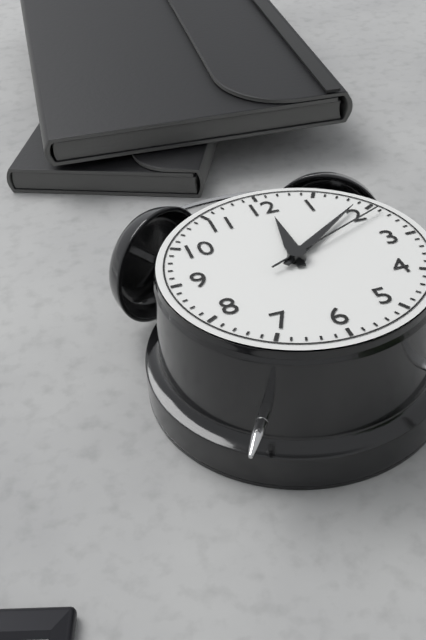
12h09m11s
